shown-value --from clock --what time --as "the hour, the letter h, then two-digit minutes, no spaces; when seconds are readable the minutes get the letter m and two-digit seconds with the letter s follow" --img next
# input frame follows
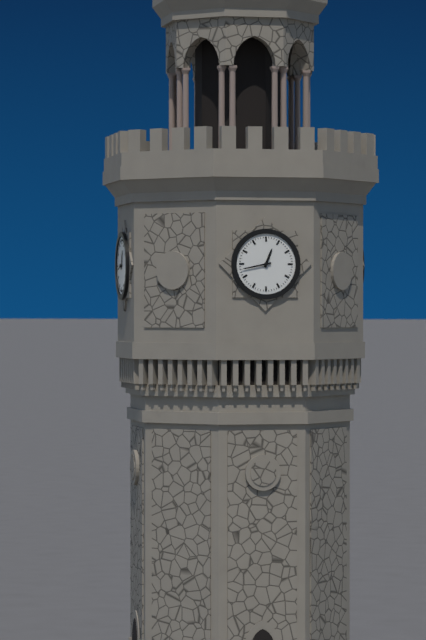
12h43
